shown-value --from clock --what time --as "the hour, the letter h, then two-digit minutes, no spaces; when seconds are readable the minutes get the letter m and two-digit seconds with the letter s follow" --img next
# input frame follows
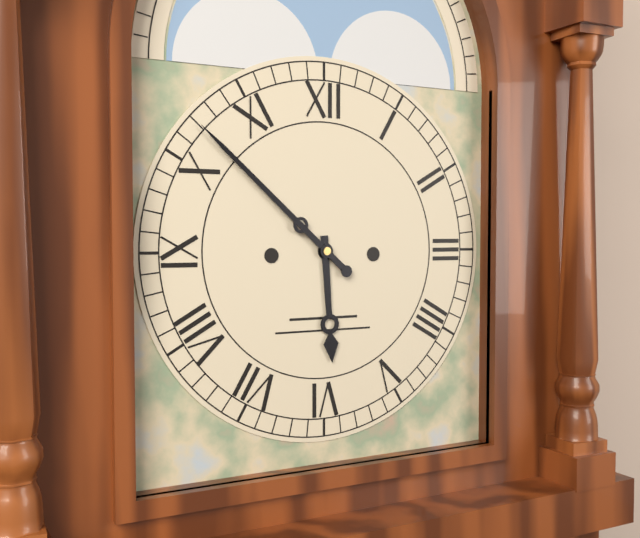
5h52
